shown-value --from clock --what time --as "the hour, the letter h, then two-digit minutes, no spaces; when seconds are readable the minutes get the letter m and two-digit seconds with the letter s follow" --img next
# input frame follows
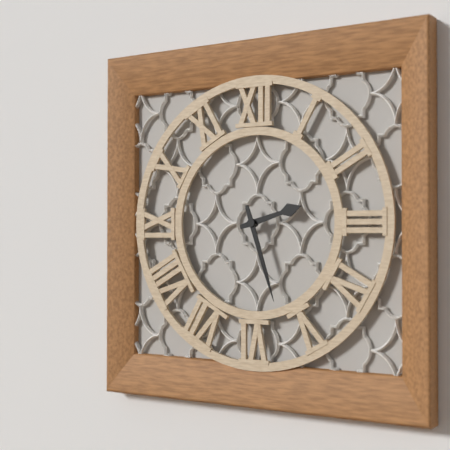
2h27
